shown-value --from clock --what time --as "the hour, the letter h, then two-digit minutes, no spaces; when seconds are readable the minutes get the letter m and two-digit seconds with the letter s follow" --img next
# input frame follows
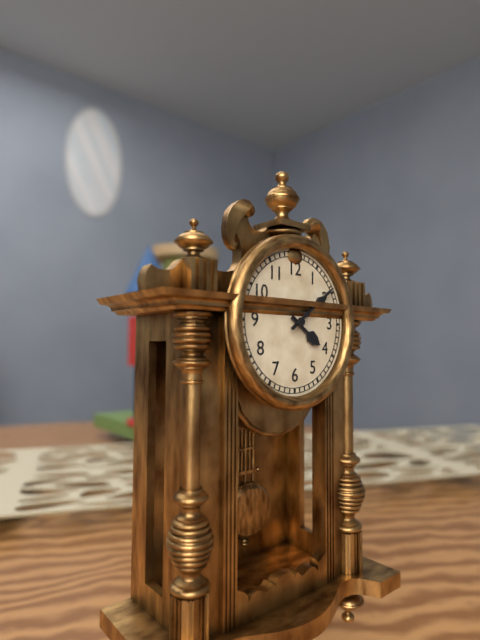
4h09
